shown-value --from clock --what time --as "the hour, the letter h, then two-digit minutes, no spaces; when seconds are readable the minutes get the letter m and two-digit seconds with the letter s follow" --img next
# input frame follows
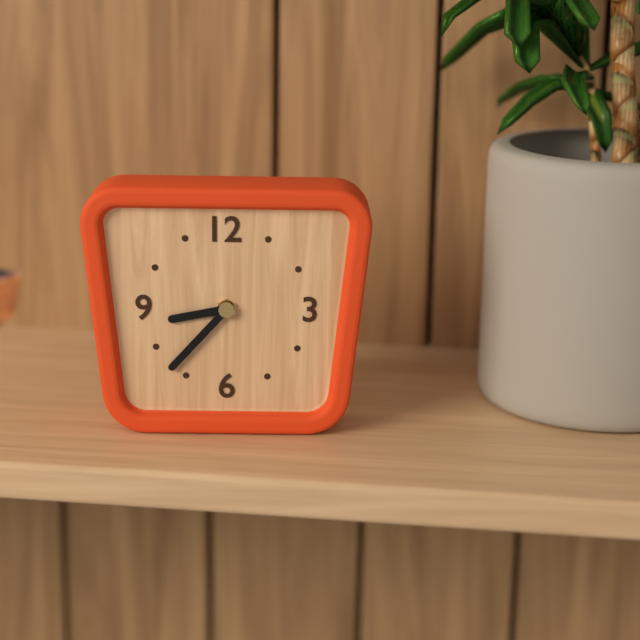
8h37
